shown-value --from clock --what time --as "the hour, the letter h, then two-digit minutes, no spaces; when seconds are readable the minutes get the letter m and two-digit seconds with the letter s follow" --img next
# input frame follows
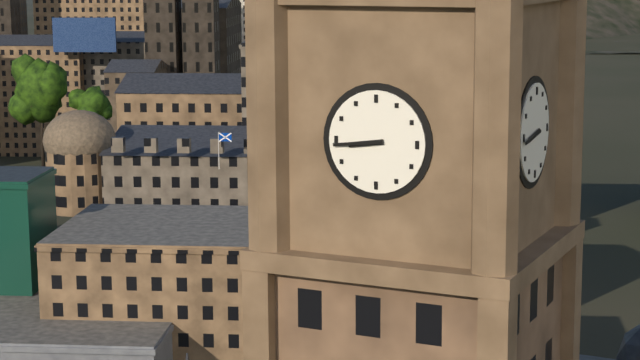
8h44
